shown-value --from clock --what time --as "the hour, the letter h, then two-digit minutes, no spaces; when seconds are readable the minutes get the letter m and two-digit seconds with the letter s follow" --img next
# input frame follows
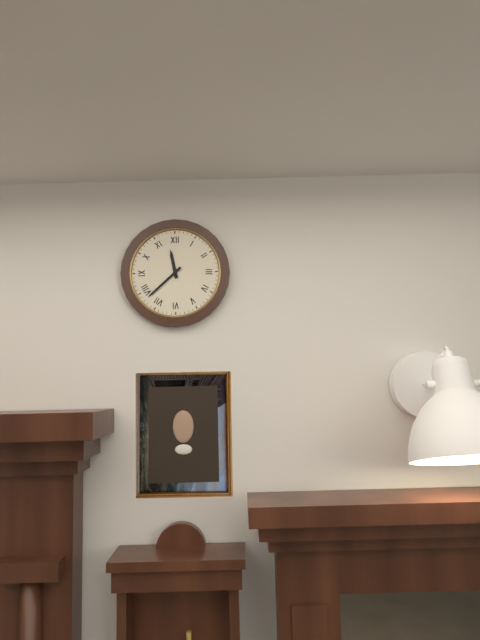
11h38
